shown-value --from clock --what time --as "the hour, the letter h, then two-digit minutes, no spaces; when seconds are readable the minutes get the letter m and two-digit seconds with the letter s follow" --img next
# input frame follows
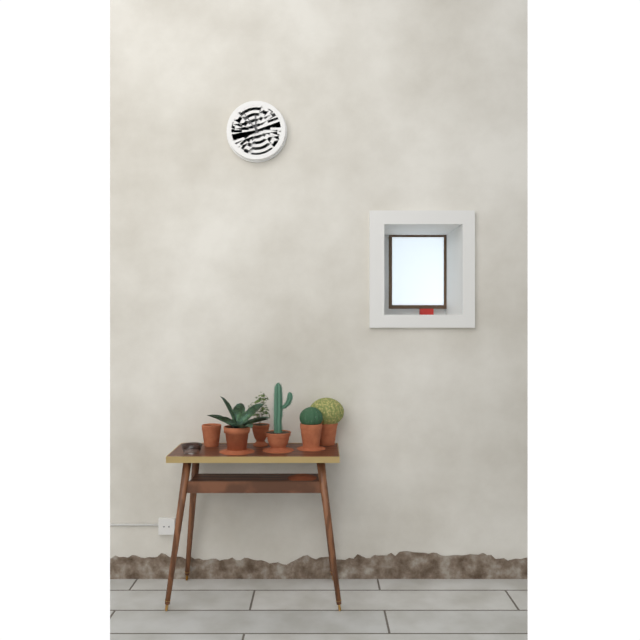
11h54
